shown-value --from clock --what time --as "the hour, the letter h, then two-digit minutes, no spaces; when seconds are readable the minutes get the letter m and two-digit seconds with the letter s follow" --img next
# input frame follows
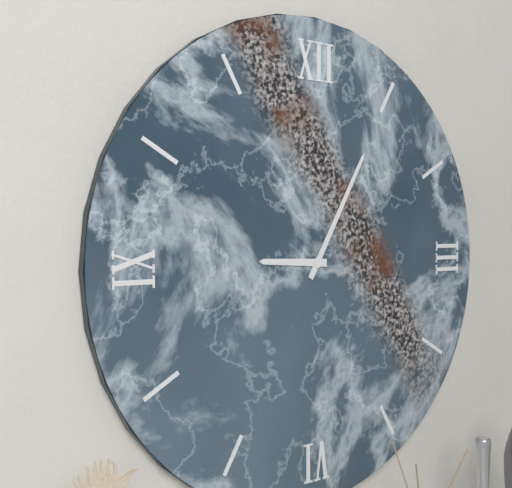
9h05
